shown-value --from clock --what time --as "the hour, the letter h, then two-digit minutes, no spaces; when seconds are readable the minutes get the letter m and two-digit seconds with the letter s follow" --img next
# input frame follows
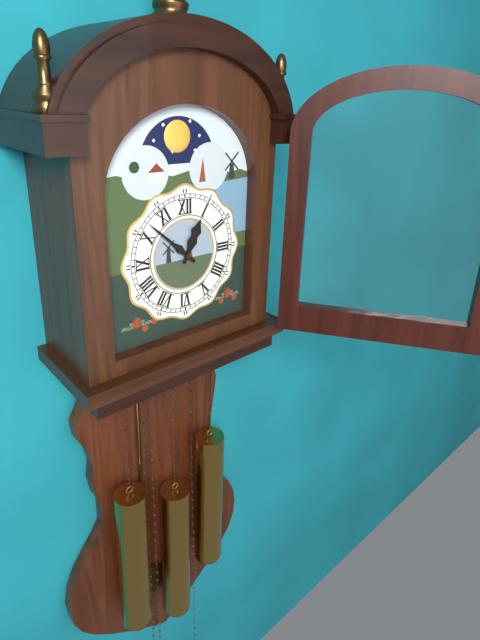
12h52
